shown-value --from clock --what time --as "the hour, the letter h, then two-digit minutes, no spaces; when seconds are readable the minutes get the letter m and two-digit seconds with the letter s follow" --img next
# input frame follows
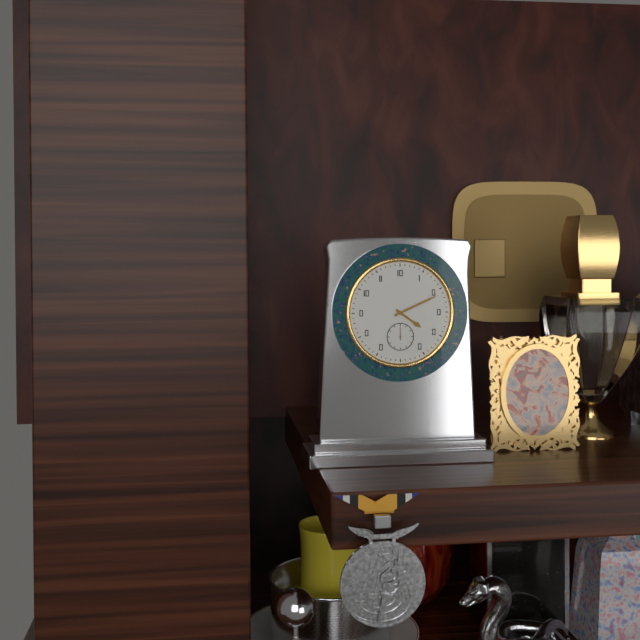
4h11
